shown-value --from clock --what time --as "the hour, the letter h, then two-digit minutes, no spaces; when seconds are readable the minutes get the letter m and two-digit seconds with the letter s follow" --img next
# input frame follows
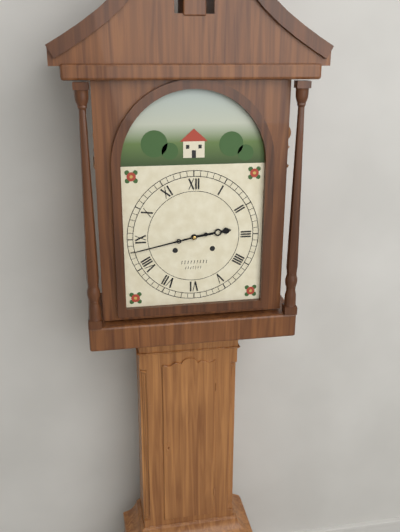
2h43
